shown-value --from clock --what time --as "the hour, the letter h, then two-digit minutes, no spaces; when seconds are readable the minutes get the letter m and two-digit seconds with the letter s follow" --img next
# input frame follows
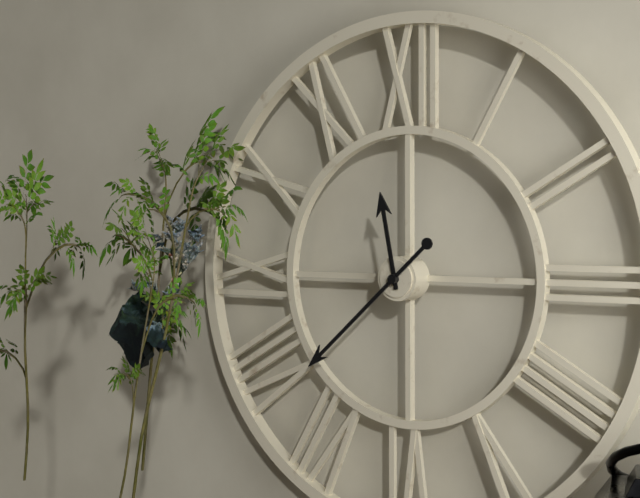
11h38
